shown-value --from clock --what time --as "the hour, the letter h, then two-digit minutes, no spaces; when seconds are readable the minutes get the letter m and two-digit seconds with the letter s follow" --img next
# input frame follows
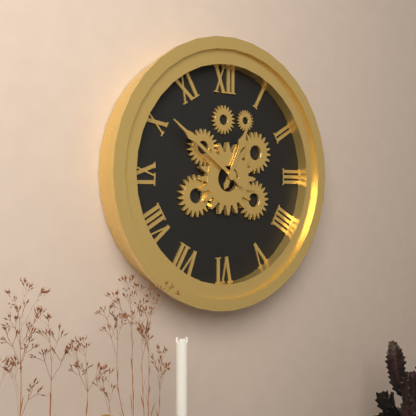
12h51
